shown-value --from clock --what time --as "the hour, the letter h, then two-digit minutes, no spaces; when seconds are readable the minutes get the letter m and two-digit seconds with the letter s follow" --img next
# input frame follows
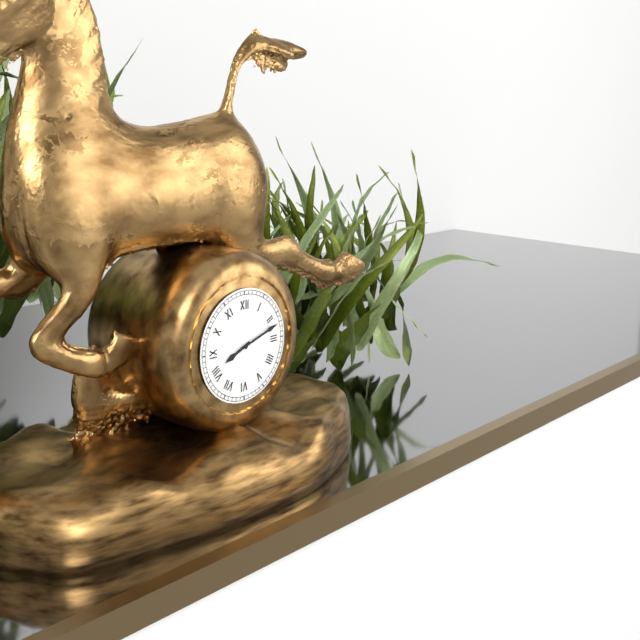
8h12
